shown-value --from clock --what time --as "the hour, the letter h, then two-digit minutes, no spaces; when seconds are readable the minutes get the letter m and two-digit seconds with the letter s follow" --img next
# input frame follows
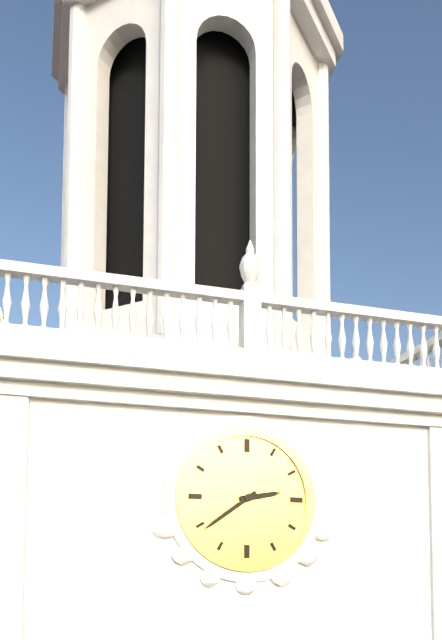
2h39
